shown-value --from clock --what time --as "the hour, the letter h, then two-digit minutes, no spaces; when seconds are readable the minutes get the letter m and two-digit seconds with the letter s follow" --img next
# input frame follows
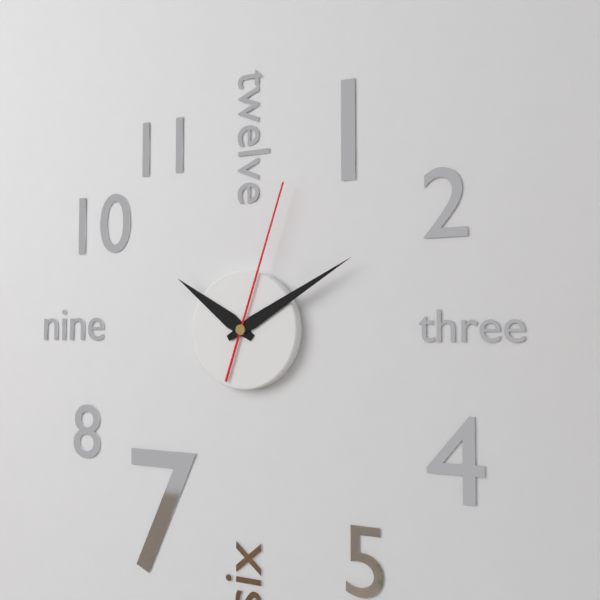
10h10m03s
